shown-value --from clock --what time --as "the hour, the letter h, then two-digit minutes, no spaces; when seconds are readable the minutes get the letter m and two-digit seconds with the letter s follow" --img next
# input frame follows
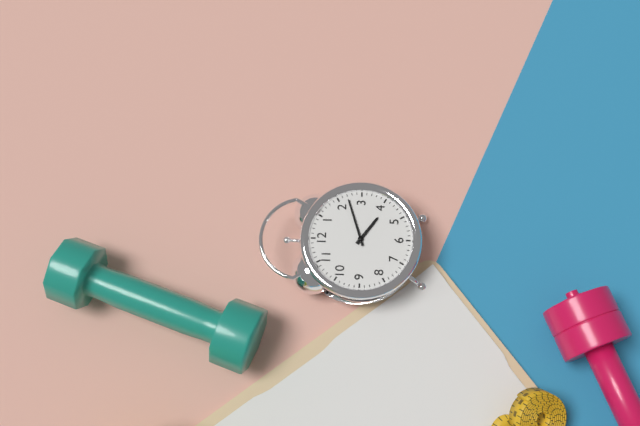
4h12
